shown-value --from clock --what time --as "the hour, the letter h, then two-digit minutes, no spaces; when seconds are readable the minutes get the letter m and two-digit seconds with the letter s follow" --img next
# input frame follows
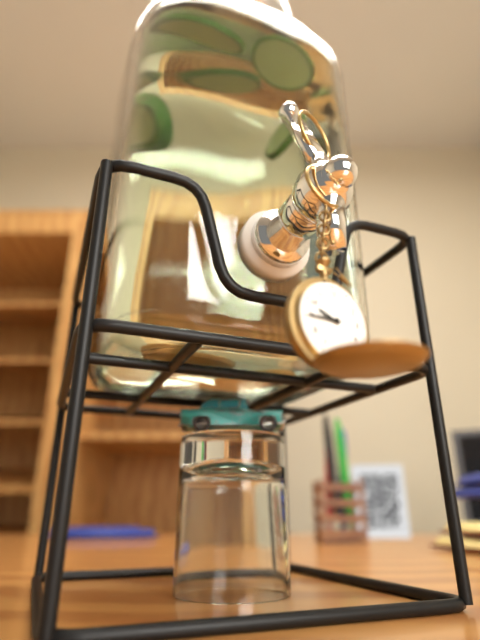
9h45
